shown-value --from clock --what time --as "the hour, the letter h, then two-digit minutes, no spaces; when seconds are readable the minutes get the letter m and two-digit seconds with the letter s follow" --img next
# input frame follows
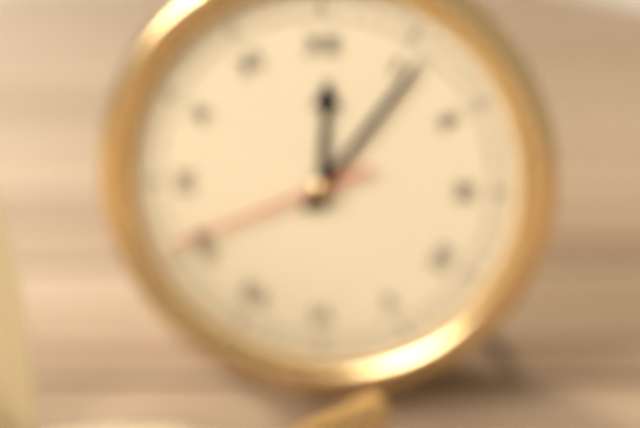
12h06m41s
